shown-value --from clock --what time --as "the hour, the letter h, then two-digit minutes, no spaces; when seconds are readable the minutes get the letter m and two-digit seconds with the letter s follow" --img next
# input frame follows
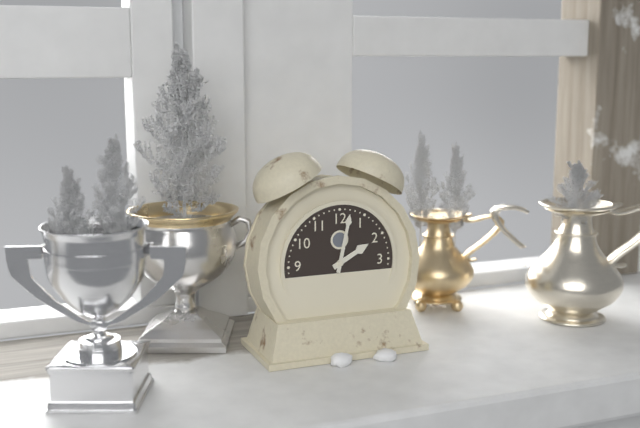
2h02
